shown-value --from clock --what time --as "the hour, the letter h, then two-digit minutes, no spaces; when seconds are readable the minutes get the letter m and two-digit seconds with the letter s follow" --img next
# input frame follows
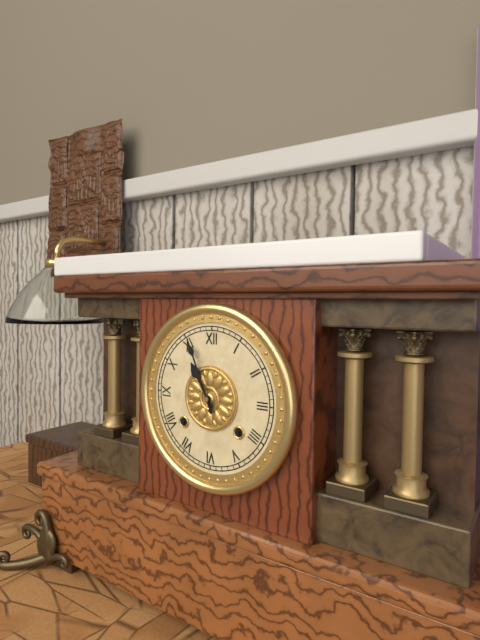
10h56
